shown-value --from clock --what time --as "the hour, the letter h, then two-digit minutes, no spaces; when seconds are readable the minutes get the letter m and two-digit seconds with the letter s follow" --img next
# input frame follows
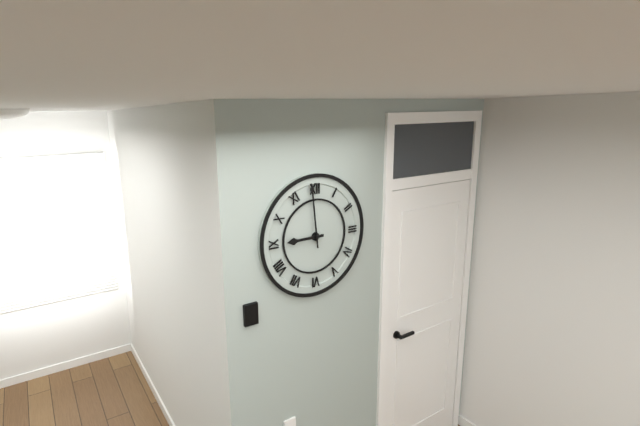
8h59
